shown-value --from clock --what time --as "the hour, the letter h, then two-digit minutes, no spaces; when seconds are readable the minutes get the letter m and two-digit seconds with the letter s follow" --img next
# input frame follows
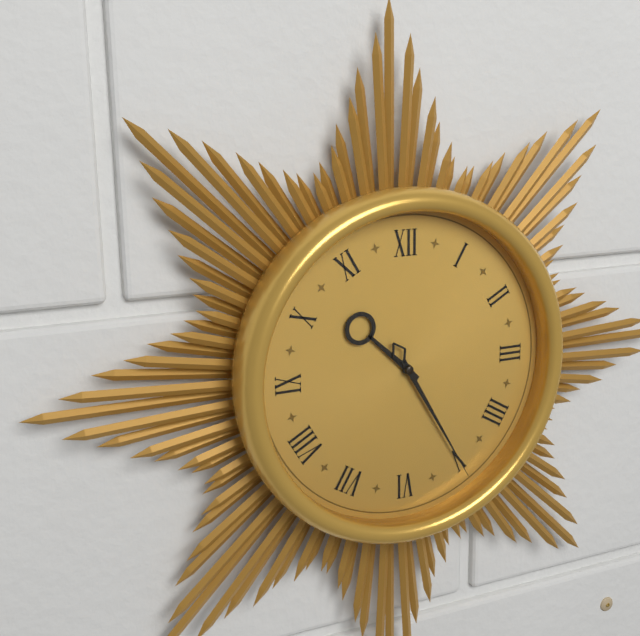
10h25
